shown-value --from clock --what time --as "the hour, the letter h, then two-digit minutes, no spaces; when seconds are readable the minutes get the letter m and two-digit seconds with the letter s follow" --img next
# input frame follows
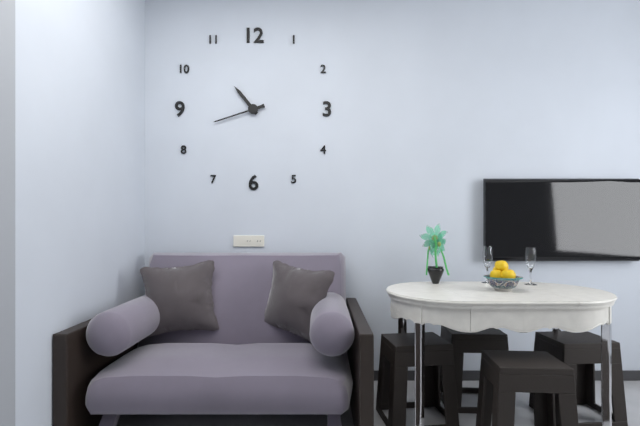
10h42
